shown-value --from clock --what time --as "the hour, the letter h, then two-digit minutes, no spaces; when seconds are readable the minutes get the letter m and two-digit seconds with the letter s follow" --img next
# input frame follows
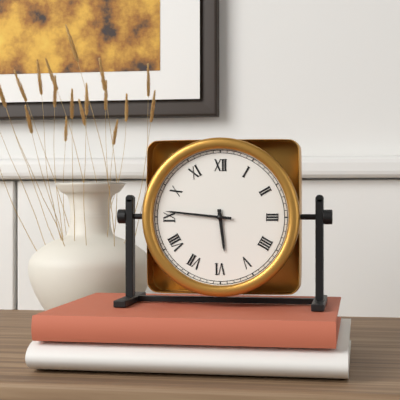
5h46
